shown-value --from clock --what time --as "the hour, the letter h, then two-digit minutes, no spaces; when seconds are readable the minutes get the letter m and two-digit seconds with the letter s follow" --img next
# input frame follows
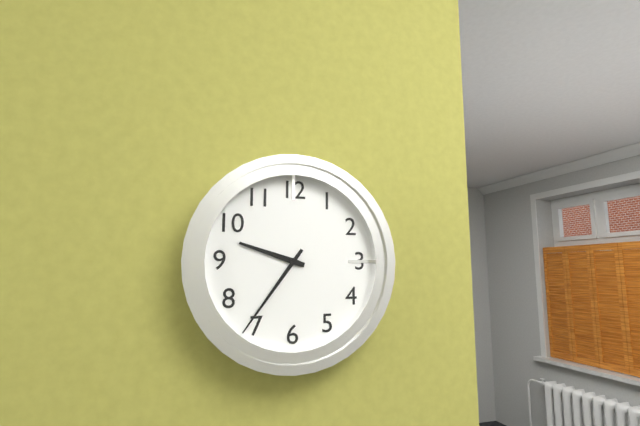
9h36
